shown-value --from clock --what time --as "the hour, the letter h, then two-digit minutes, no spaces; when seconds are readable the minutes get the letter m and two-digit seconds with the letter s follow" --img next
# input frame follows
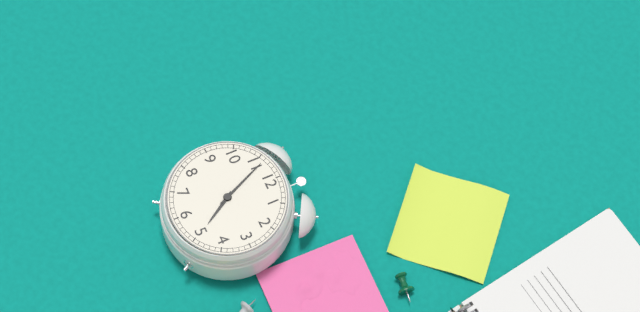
4h56
